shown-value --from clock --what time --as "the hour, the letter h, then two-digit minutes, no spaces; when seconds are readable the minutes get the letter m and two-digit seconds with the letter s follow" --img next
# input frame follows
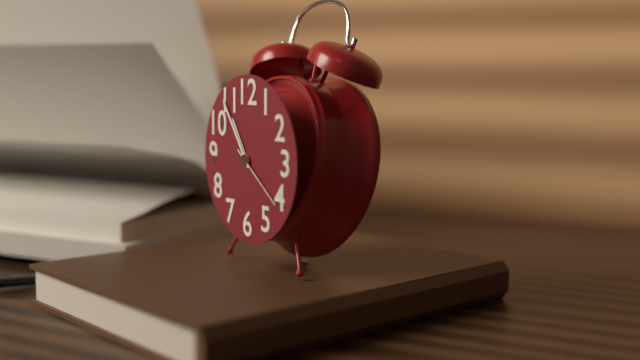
10h54m21s
